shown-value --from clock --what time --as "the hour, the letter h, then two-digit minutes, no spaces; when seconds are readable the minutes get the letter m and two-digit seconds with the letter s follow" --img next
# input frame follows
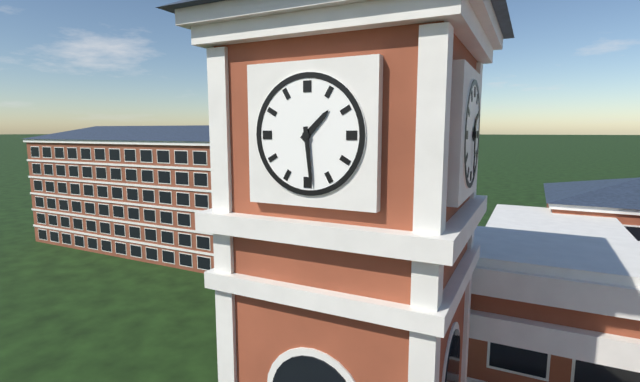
1h29
